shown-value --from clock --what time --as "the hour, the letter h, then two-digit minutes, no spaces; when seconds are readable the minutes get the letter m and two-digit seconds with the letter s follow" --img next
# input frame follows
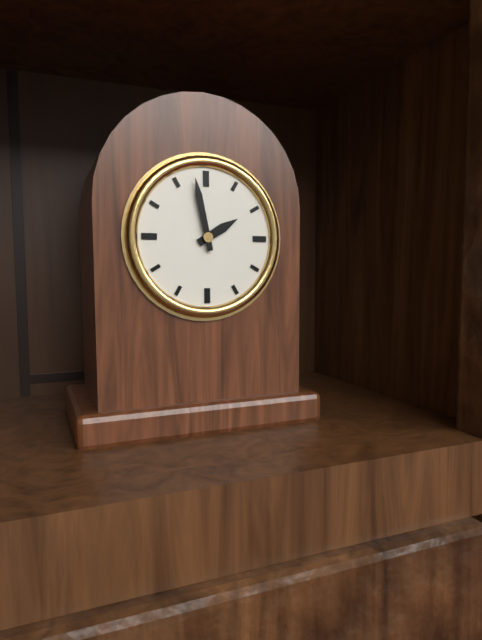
1h58
